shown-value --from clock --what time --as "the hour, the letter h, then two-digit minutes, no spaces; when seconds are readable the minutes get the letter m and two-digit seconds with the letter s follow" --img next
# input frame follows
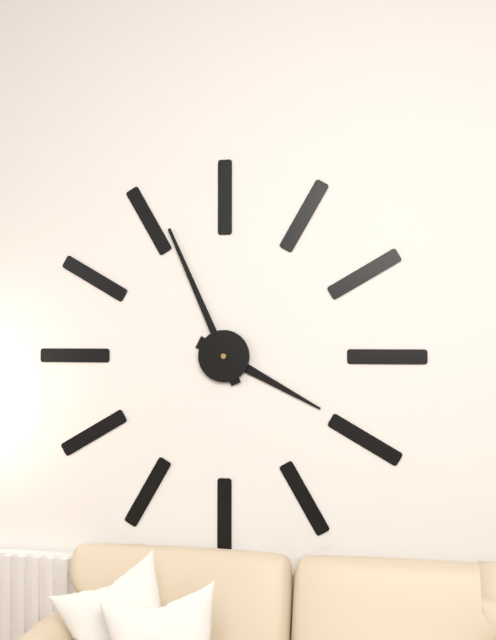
3h56
